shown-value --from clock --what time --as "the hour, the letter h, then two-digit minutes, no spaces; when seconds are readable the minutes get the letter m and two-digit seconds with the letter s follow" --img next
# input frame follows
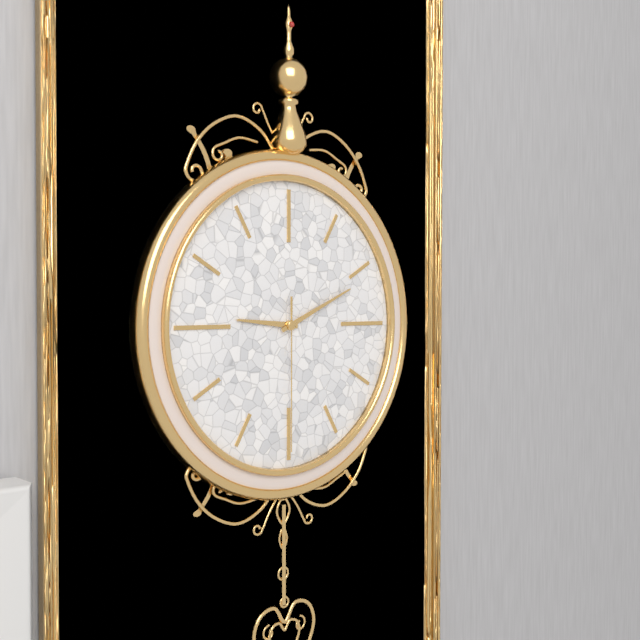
9h11m30s
